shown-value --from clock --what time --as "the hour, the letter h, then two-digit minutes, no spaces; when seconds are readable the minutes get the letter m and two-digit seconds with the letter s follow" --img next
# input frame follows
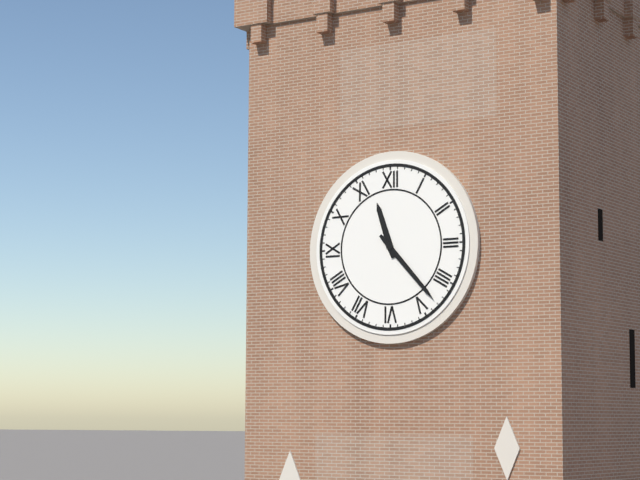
11h23
